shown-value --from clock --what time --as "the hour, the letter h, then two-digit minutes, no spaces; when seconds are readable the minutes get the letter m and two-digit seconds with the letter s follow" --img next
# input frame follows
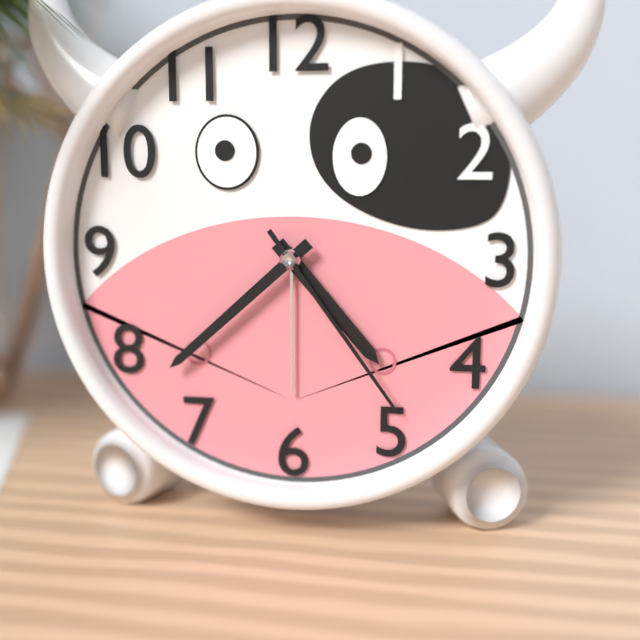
4h38m24s
